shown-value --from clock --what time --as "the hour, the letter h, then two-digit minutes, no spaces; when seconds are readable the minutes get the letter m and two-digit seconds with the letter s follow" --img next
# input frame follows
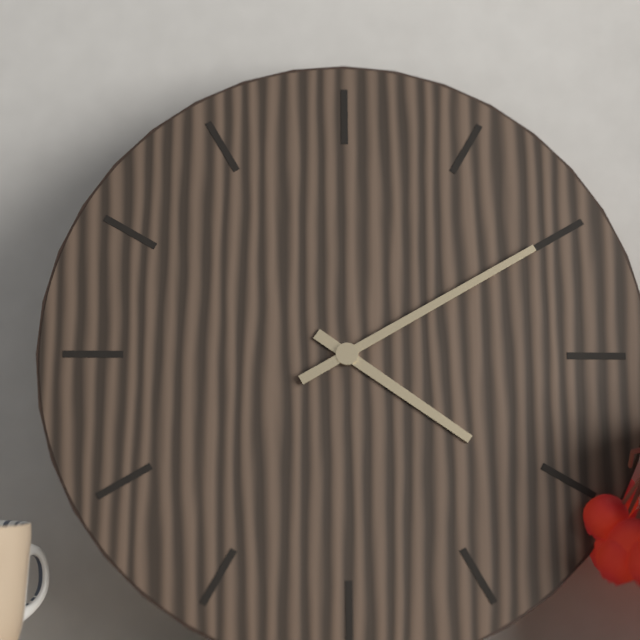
4h10
